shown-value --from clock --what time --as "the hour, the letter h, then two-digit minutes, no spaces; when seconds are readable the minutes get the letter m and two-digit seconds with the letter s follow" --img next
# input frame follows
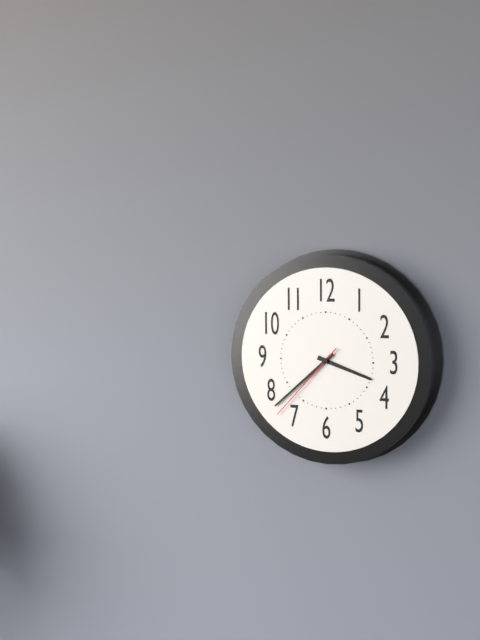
3h38m37s
